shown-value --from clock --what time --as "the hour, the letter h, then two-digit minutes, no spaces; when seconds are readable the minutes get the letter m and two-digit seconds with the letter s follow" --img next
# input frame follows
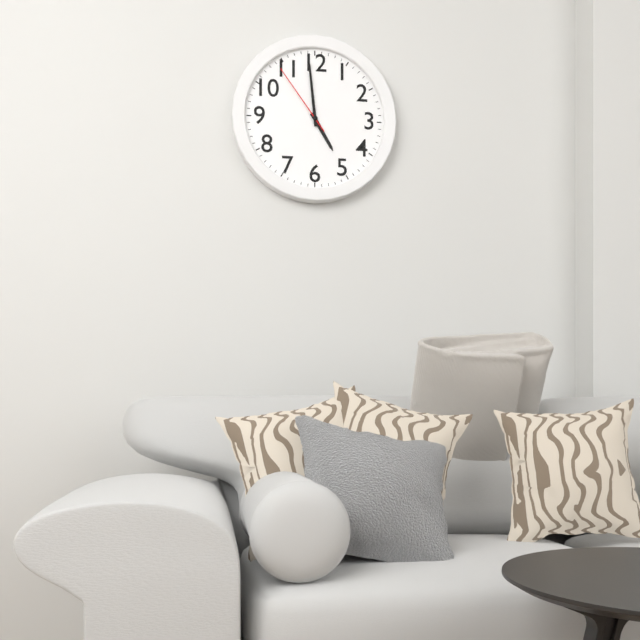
4h59m54s
